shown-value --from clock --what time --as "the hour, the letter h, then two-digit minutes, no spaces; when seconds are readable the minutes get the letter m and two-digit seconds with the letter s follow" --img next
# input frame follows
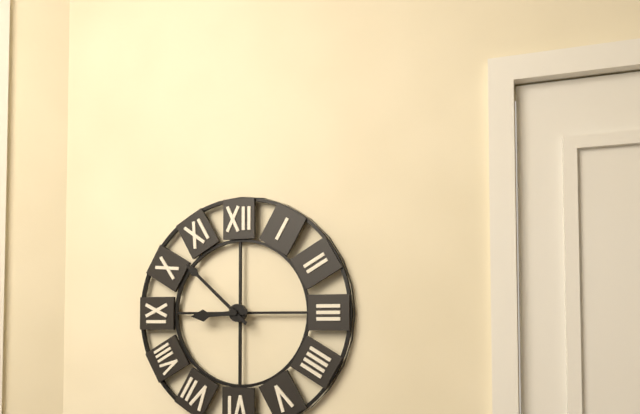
8h52
